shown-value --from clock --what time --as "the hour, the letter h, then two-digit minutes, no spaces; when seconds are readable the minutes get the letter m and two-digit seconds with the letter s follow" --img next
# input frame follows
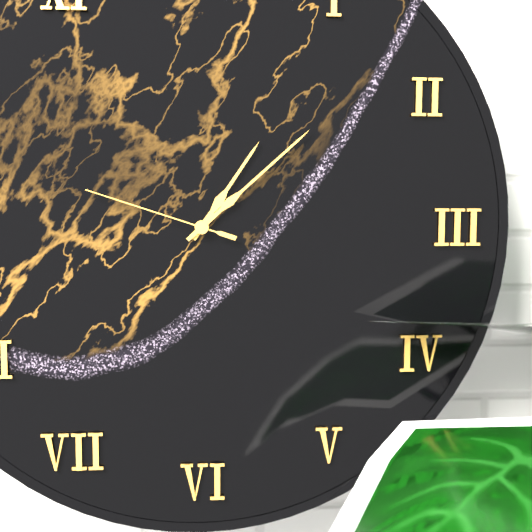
1h08m48s
